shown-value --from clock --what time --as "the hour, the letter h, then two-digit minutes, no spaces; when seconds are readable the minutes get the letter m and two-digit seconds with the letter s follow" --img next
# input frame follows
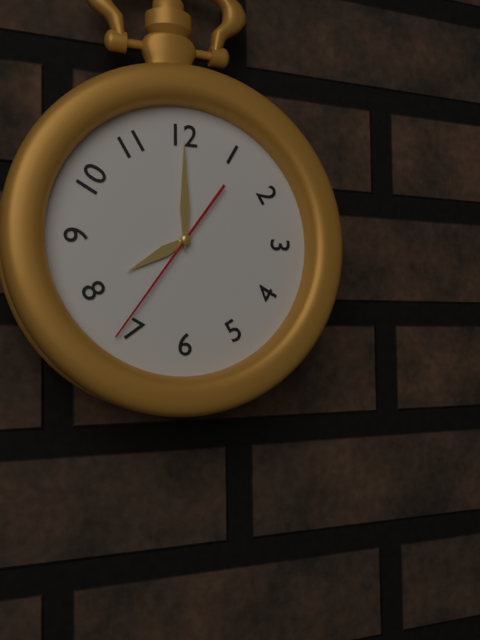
8h00m36s
